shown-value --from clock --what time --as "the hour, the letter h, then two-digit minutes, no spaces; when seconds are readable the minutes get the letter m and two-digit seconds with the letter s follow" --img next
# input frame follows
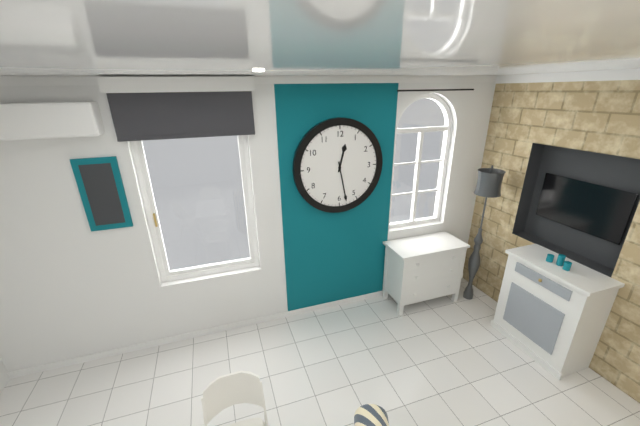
12h28
